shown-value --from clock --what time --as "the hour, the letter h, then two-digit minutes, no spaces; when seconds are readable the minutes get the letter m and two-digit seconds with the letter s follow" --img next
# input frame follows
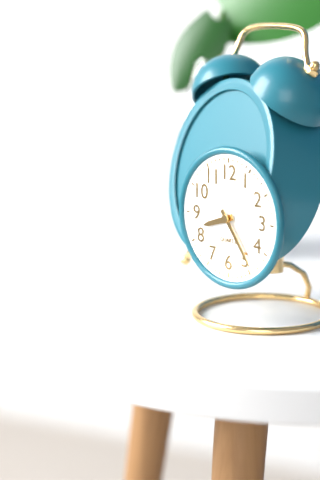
8h24
